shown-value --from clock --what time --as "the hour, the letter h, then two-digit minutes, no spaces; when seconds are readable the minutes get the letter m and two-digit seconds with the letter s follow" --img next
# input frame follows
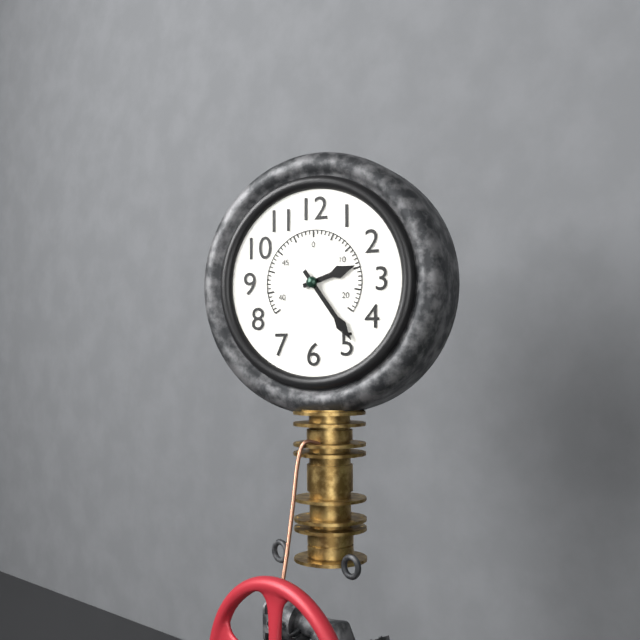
2h24
